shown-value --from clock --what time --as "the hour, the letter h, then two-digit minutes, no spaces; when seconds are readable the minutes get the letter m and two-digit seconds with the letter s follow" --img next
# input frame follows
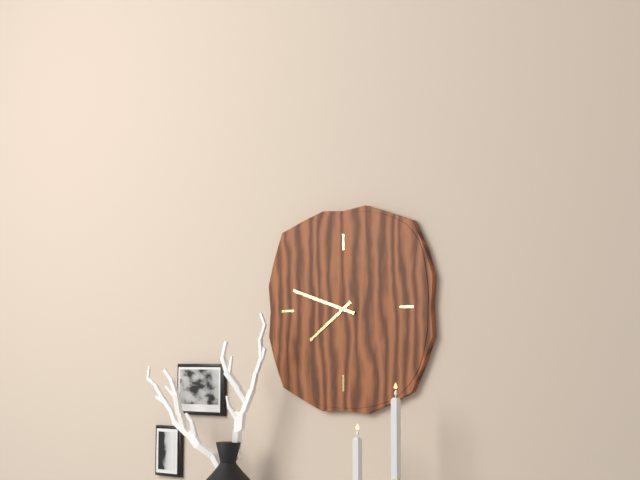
7h48
